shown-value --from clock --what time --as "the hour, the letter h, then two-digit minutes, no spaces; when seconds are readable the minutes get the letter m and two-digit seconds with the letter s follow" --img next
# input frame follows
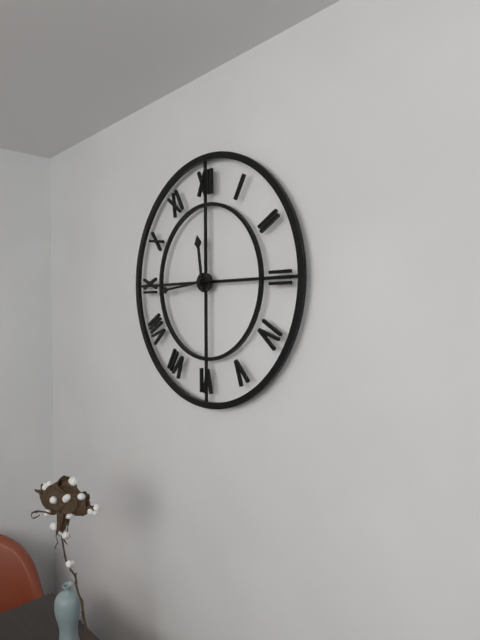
11h44
